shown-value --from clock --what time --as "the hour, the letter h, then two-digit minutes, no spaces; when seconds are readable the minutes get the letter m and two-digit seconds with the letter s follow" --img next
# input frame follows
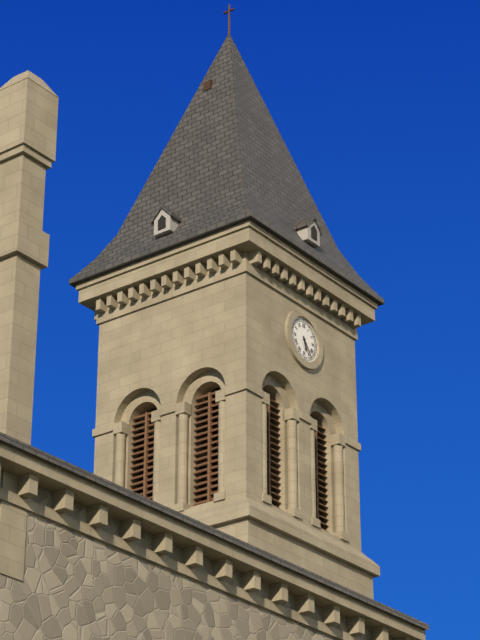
5h24
